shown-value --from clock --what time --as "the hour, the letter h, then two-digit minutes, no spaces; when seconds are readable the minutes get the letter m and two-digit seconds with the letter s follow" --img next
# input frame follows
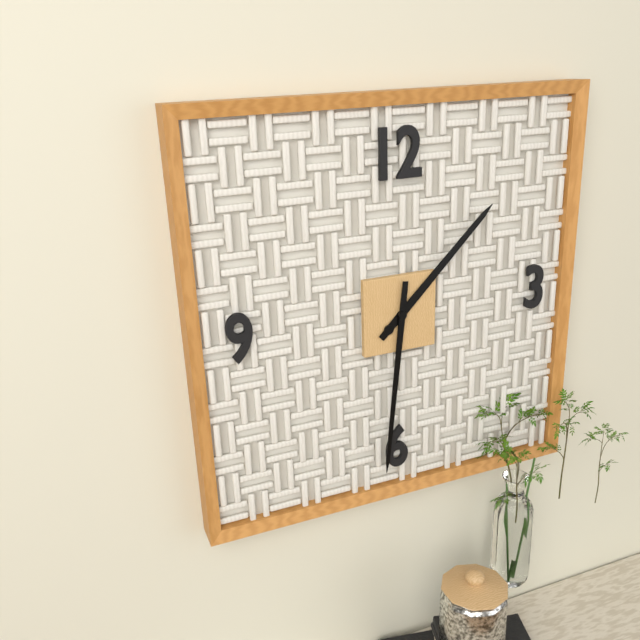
1h31
